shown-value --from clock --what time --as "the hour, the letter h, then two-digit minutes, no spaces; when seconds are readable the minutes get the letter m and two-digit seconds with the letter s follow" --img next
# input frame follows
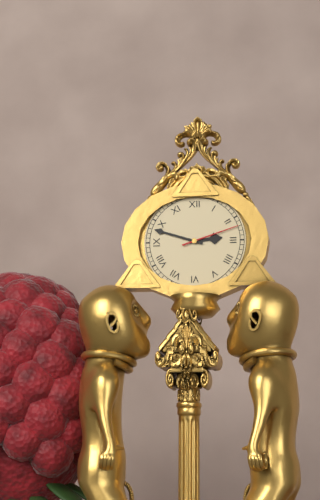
2h48m12s
